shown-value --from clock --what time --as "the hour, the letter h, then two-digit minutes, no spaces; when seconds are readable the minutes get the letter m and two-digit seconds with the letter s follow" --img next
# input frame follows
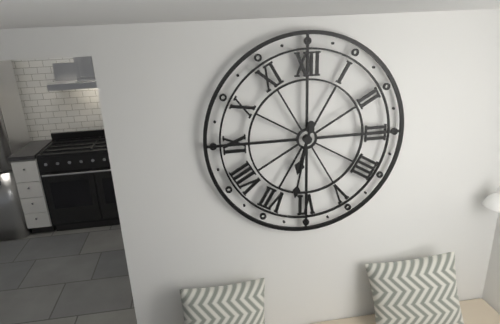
6h32
